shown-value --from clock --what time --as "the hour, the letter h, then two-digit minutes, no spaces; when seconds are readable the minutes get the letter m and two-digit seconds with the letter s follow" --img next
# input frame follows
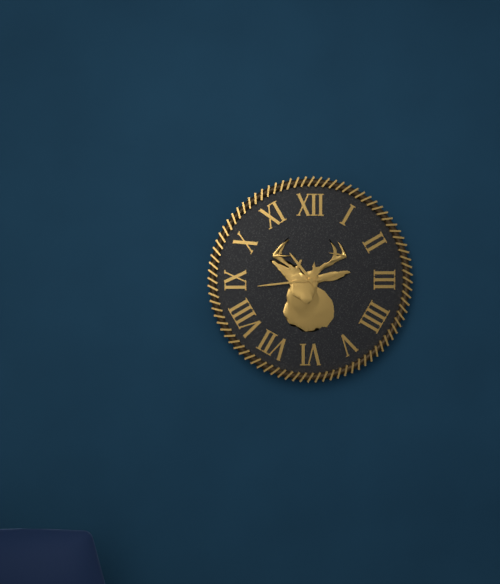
10h44
